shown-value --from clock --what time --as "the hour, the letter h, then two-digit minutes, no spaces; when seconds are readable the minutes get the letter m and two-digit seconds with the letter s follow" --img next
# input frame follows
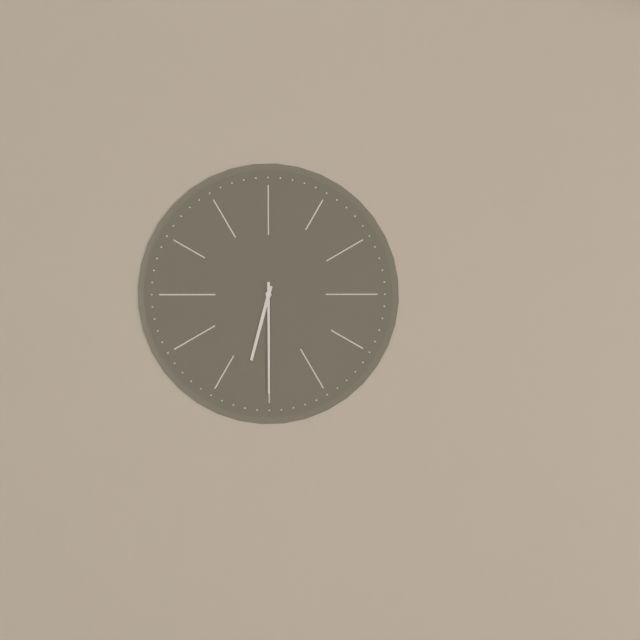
6h30
